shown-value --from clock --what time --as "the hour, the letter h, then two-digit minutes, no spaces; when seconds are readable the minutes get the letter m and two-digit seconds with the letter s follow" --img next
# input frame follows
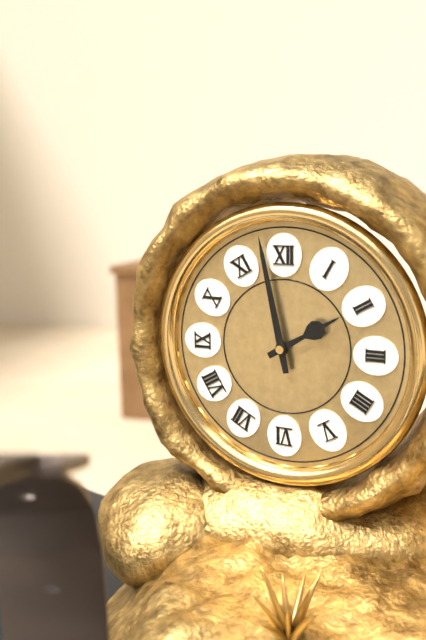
1h58
